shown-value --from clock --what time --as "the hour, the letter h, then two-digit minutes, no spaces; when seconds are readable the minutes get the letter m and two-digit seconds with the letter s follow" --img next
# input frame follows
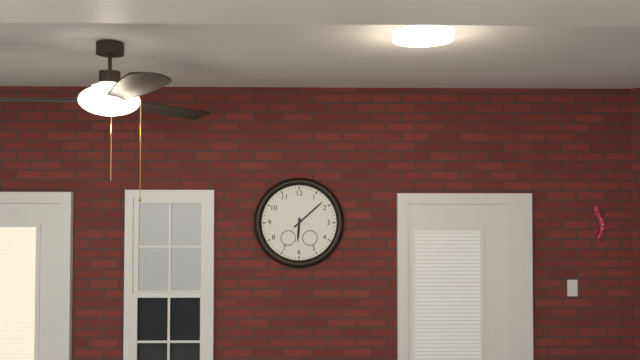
6h08
